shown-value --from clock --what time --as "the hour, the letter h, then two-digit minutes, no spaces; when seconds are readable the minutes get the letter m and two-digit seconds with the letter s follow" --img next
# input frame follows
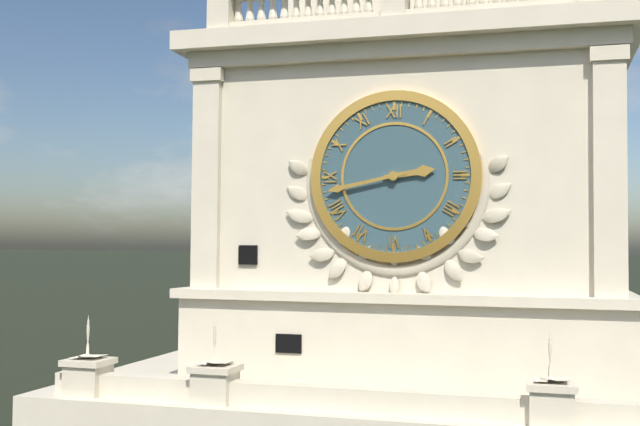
2h43
